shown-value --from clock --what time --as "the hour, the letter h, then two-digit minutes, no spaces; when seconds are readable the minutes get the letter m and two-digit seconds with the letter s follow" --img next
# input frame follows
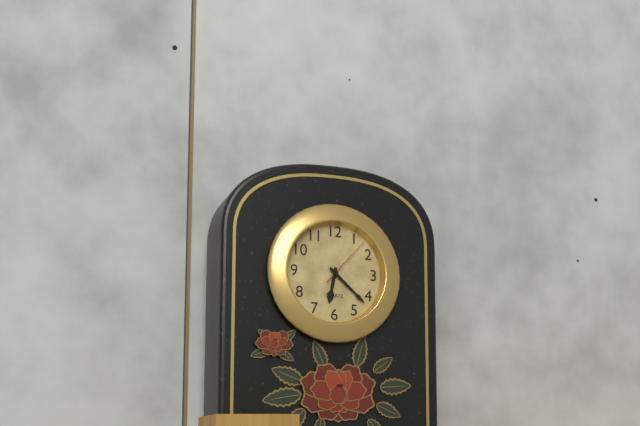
6h22m07s
